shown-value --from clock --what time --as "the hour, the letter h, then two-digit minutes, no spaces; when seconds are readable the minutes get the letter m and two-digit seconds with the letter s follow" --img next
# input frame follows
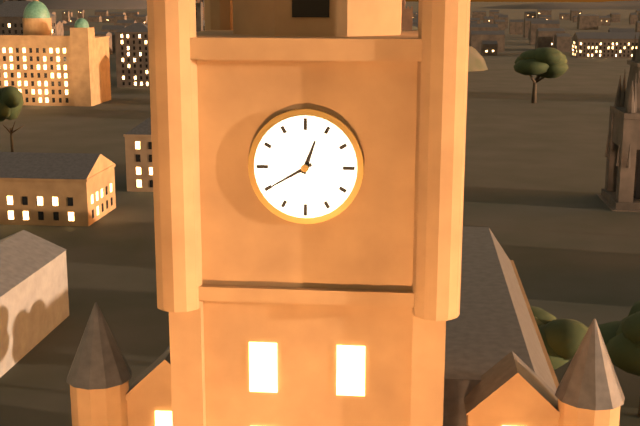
12h40
